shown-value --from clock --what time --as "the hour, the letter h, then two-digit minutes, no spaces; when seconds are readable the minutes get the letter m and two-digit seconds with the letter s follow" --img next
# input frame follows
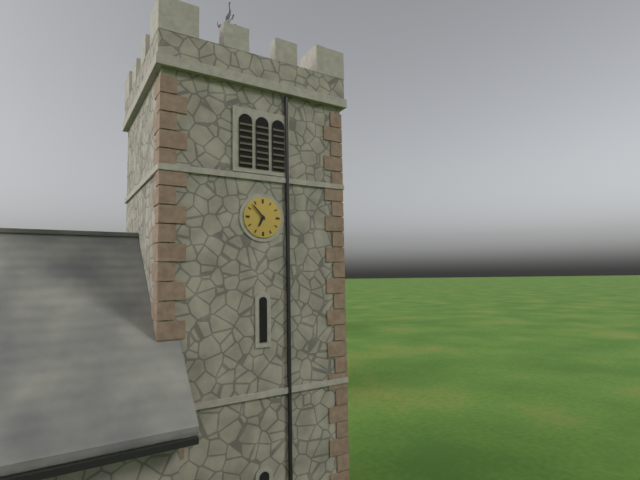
6h53
